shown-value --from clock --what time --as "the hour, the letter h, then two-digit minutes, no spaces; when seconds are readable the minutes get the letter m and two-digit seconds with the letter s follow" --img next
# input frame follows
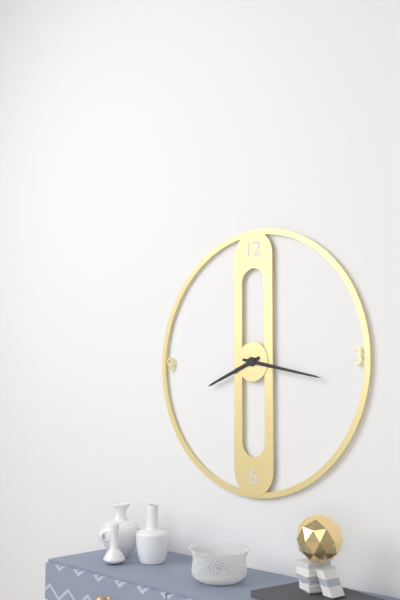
8h17
